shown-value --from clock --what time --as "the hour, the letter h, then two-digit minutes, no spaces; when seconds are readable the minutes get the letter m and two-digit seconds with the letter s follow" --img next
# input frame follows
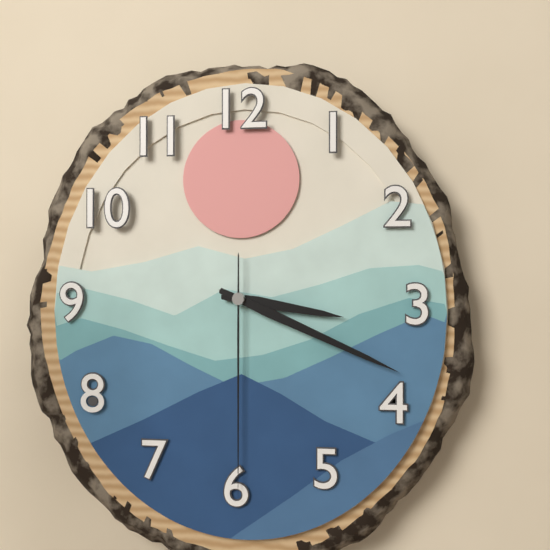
3h19m30s
